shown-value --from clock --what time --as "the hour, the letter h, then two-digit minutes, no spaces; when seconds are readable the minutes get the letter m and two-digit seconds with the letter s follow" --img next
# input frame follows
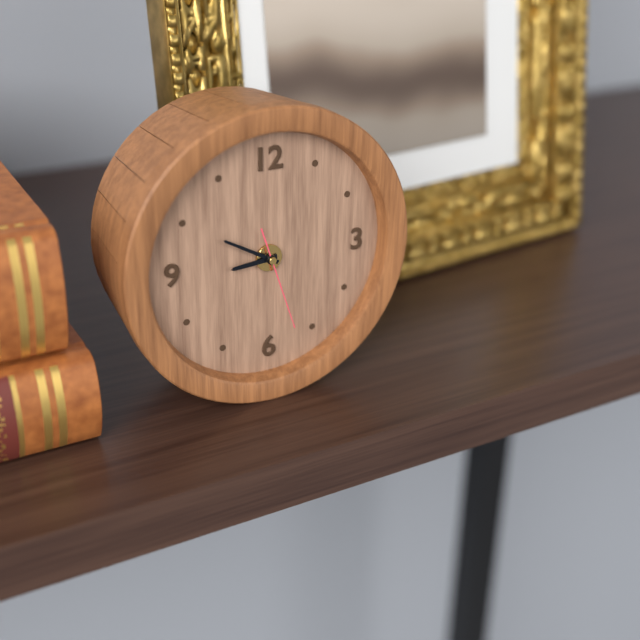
8h50m27s
